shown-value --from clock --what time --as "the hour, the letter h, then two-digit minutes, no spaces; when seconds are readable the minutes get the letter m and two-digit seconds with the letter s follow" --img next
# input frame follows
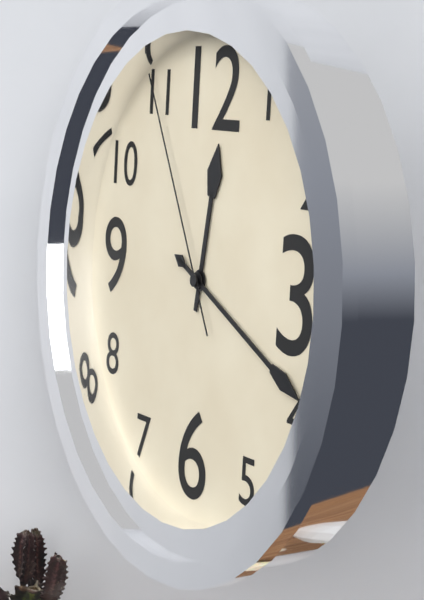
12h19m55s
